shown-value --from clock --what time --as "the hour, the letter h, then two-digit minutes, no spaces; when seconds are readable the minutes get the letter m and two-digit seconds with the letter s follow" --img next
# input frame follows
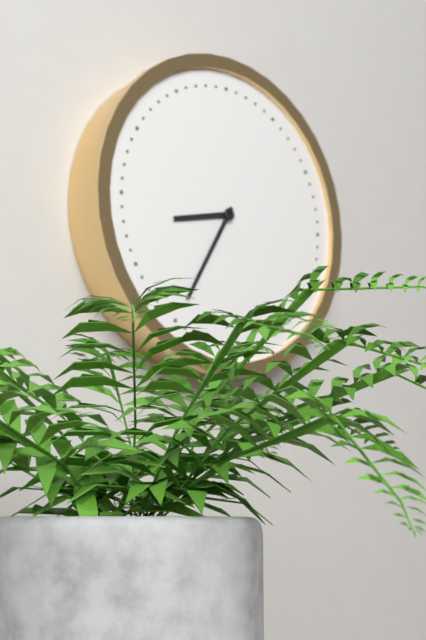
8h35
